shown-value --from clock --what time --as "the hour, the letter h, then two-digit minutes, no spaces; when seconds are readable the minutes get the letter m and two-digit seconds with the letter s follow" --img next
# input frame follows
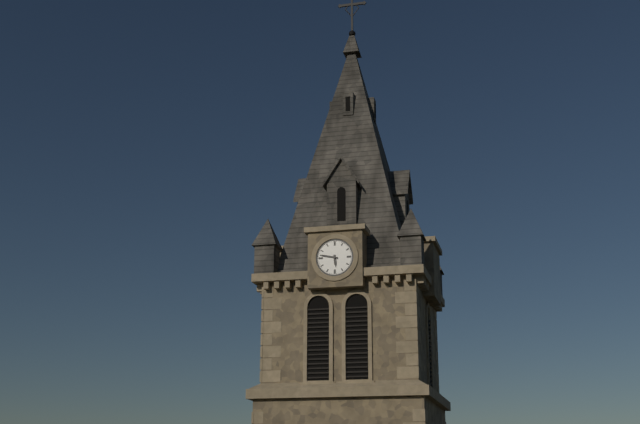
5h47
